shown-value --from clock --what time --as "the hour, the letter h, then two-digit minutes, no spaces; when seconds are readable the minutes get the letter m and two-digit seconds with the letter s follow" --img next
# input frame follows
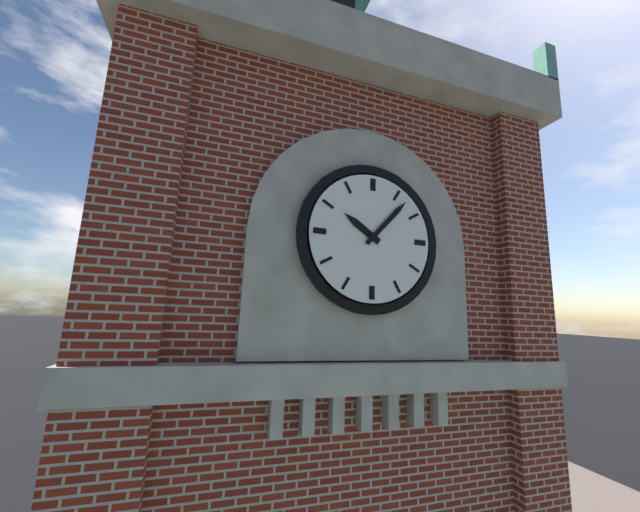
10h07
